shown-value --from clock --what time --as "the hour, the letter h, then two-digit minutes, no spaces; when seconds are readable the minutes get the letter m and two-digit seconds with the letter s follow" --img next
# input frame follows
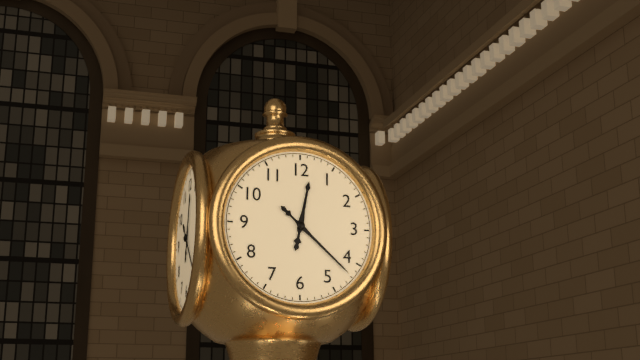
12h22
